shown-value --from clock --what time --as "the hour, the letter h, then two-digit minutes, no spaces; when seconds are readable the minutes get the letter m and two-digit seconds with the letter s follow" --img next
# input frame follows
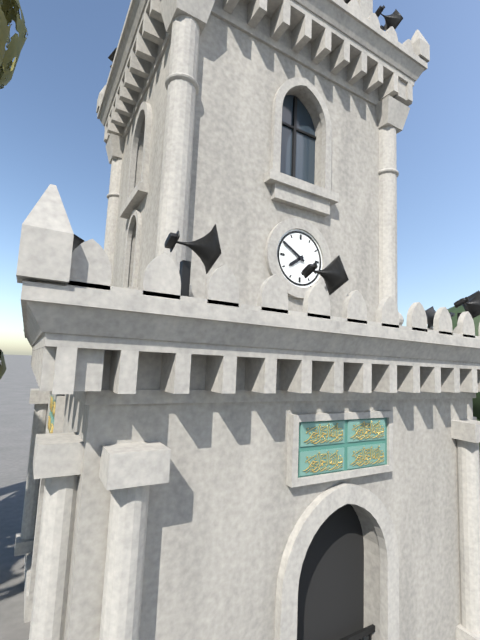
7h50
